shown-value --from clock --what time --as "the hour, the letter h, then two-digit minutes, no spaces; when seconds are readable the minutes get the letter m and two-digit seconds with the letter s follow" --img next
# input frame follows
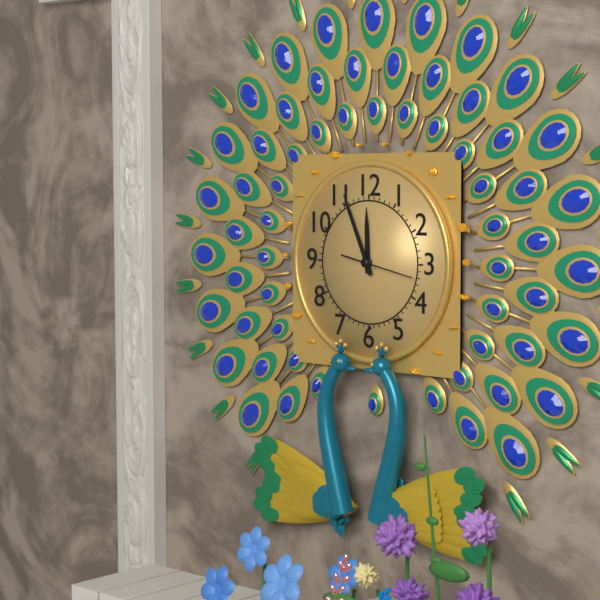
11h56m17s
